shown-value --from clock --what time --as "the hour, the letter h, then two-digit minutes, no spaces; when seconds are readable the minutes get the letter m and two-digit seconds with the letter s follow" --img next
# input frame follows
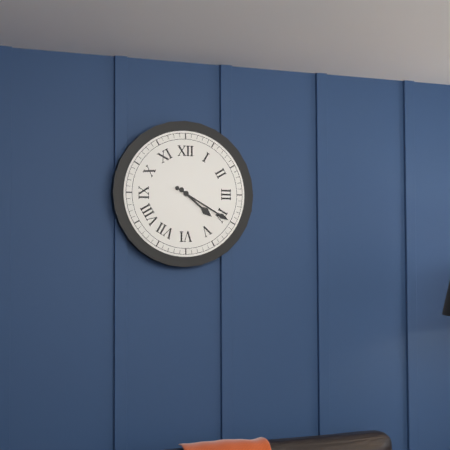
4h20
